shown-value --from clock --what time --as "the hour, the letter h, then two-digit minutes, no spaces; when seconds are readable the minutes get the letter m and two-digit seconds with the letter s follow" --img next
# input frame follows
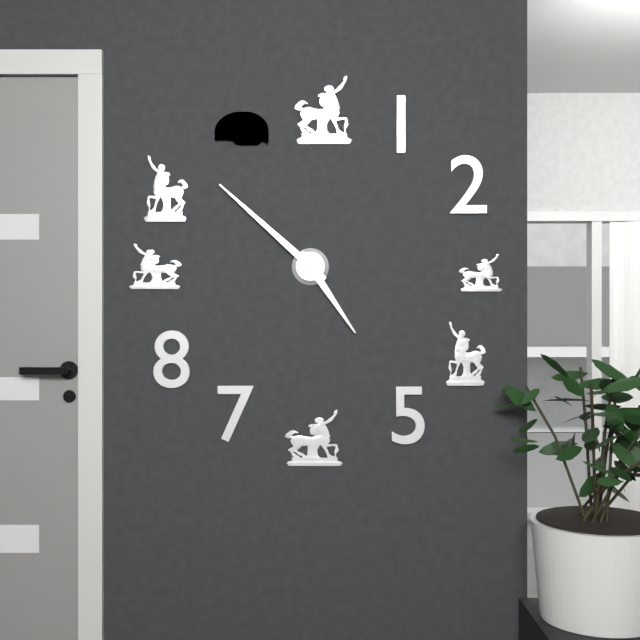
4h52
